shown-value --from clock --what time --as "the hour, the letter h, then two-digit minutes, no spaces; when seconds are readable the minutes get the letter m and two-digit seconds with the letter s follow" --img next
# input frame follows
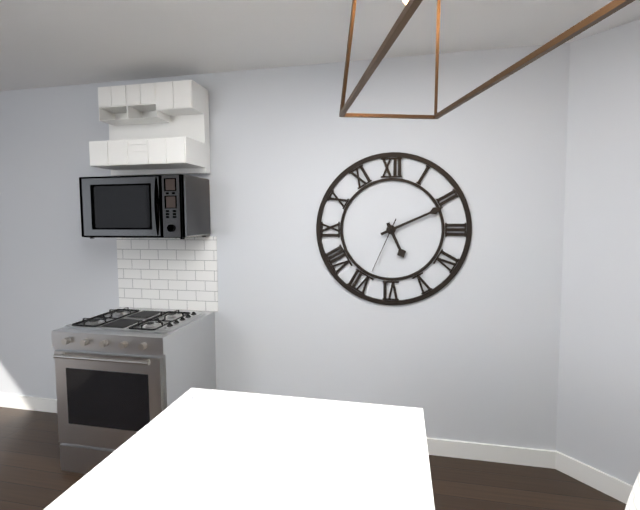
5h11m34s
